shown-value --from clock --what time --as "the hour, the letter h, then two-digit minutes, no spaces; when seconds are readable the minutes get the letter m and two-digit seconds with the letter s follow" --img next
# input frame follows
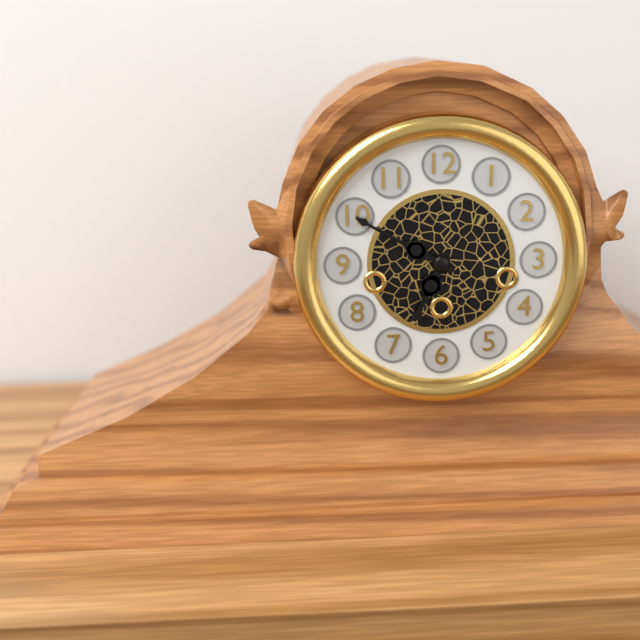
6h50
